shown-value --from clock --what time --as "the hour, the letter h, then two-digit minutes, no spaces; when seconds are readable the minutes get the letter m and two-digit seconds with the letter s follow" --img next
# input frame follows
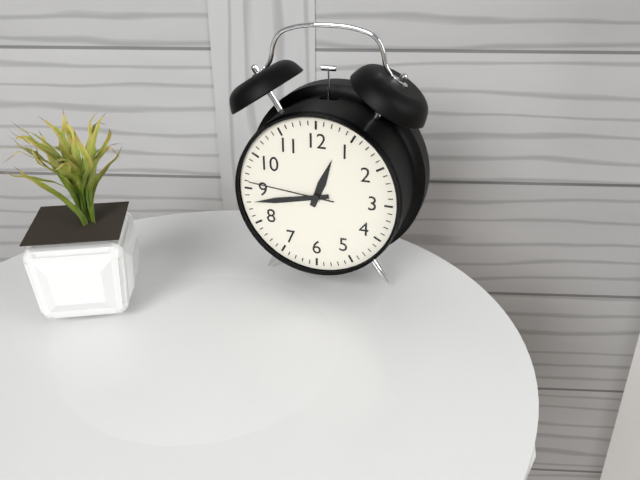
12h43m46s
